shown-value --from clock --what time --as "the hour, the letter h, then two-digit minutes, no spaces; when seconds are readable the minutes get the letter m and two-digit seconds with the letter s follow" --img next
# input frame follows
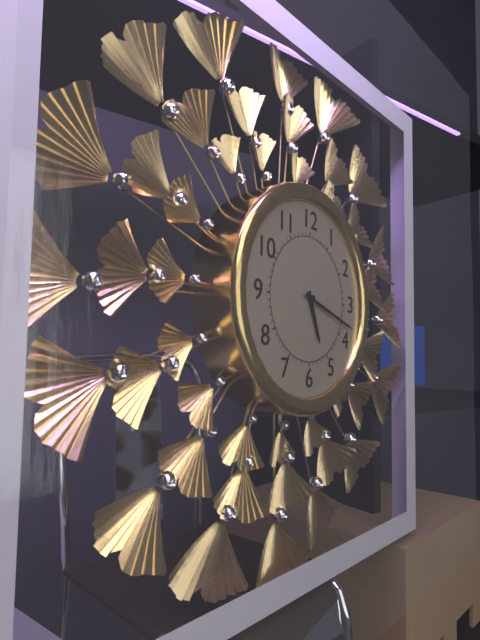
5h18
